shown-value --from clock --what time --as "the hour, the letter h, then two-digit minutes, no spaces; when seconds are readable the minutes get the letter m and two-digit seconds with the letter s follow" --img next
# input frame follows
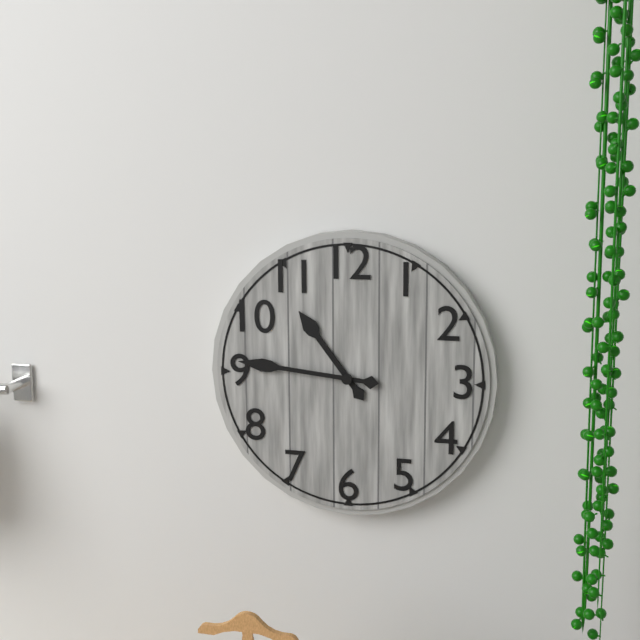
10h46
